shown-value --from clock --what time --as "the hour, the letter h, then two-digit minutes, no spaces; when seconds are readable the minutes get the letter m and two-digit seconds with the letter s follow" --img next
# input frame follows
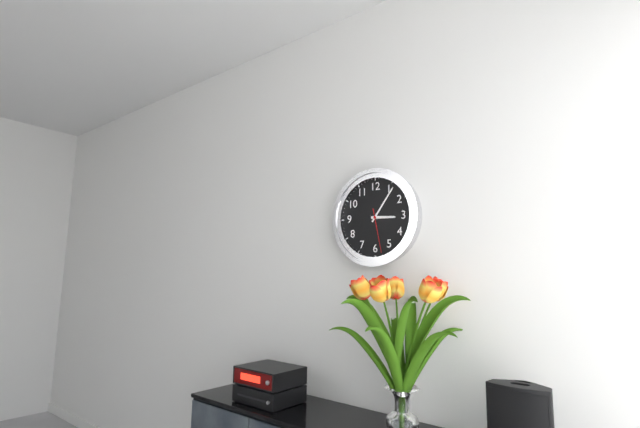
3h06
